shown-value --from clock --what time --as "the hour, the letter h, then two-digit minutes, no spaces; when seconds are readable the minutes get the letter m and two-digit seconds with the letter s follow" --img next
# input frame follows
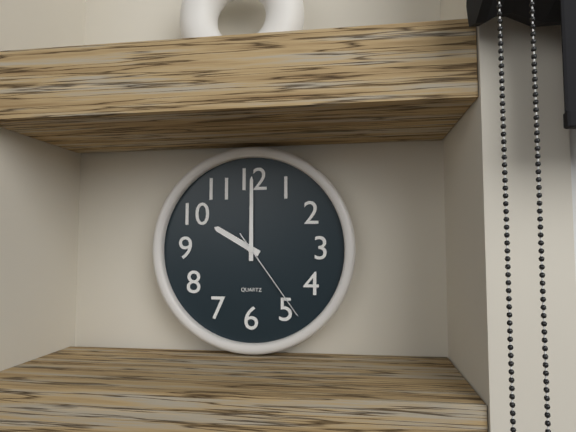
10h00m24s
